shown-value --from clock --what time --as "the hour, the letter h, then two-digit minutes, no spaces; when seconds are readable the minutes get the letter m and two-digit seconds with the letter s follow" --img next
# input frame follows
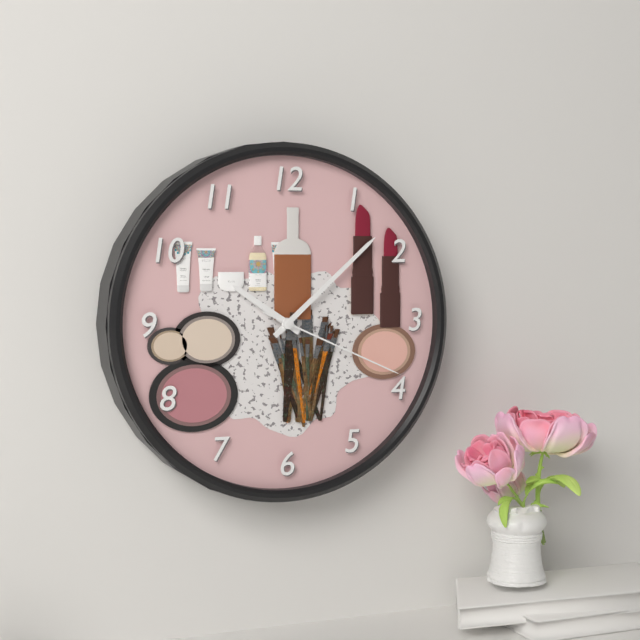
10h08m19s
